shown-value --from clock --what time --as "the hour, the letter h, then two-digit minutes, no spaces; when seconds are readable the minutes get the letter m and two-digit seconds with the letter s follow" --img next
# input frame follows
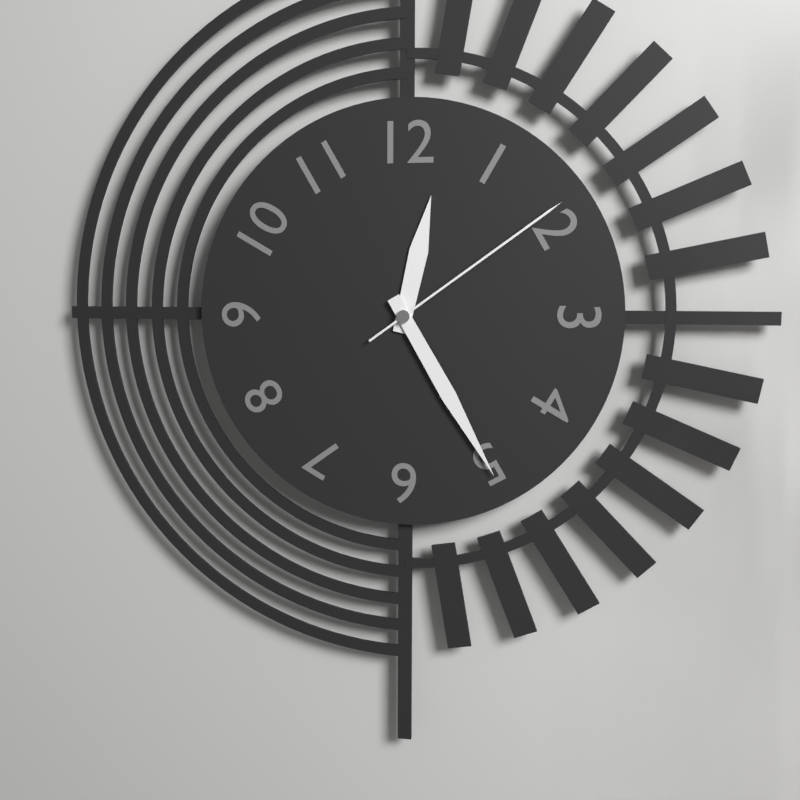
12h25m09s
